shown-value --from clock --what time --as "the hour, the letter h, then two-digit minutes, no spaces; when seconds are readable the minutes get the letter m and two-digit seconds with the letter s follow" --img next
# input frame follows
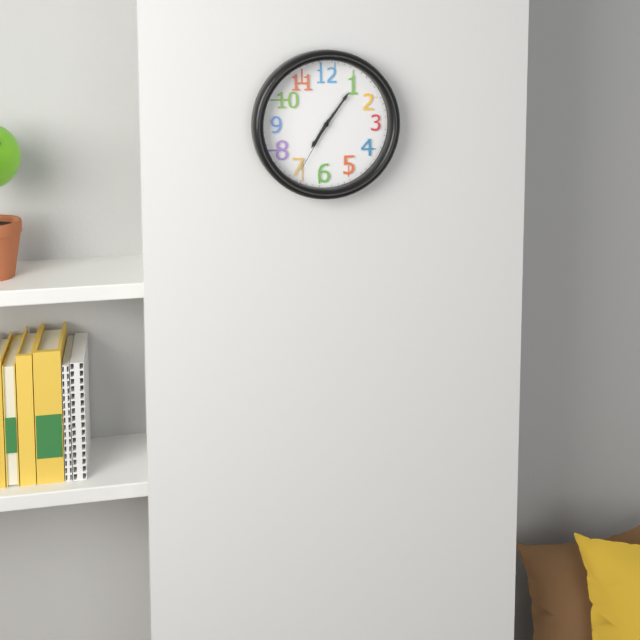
7h06m35s
